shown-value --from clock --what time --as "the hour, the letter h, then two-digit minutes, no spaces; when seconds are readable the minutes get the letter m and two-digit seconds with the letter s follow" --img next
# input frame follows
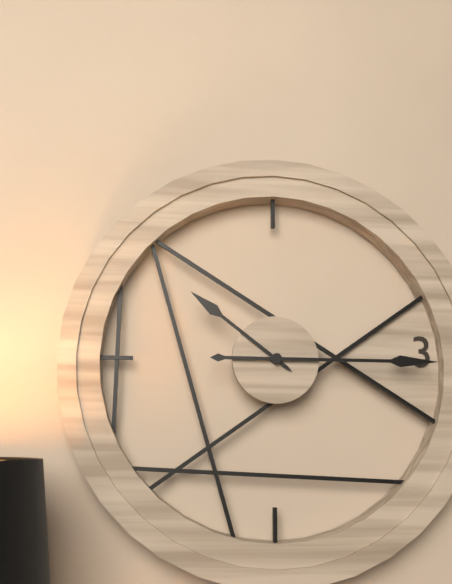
10h15
